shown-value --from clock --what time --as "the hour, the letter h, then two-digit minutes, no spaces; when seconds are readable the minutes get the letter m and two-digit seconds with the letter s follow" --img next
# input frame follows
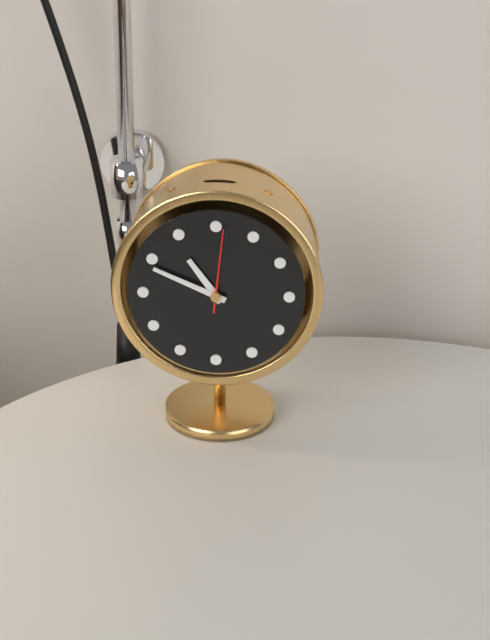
10h49m01s
